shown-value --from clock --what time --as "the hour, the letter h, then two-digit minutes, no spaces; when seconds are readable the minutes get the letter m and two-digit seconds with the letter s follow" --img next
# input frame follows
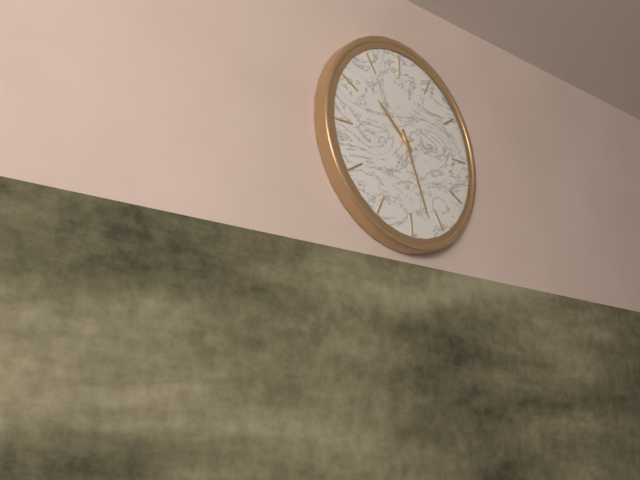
10h27
